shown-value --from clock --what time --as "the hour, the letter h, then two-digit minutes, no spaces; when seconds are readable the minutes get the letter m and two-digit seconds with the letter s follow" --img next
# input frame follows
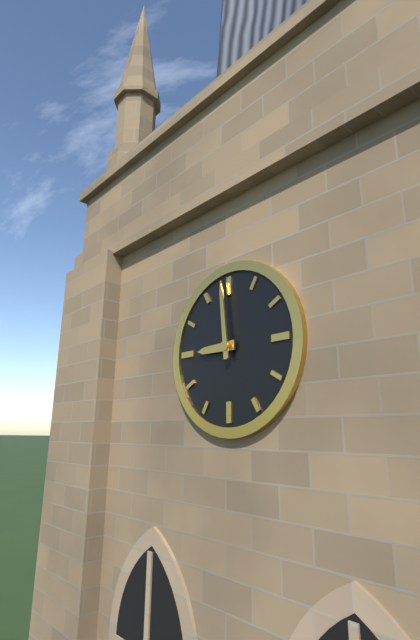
8h59
